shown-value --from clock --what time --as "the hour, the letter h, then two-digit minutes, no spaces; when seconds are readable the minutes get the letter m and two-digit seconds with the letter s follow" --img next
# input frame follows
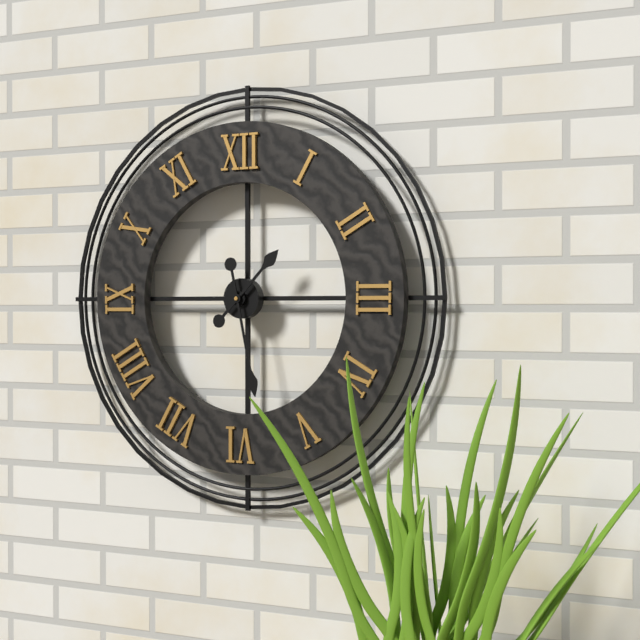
1h28
